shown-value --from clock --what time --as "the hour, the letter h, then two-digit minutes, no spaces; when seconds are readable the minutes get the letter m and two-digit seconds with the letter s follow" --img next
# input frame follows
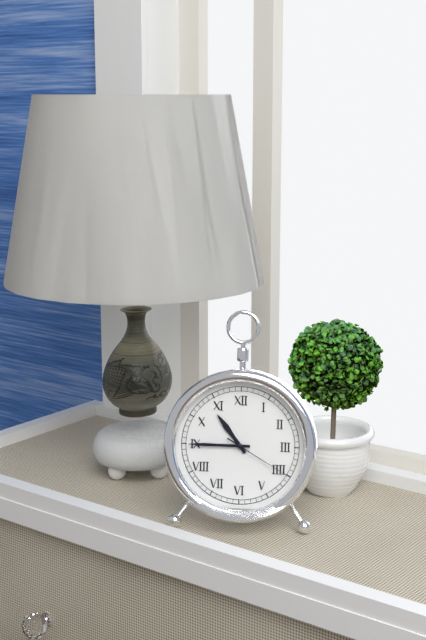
10h45m20s
